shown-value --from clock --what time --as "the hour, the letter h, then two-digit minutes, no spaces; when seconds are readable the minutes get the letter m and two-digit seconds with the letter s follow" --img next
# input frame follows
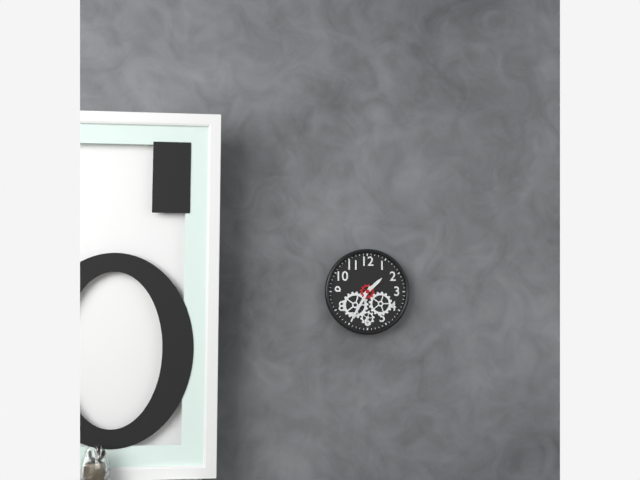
1h35
